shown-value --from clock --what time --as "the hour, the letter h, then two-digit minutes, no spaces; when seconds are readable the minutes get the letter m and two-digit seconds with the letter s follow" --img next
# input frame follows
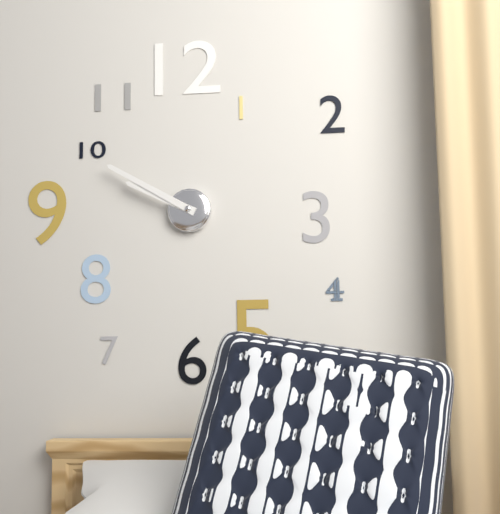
9h50
